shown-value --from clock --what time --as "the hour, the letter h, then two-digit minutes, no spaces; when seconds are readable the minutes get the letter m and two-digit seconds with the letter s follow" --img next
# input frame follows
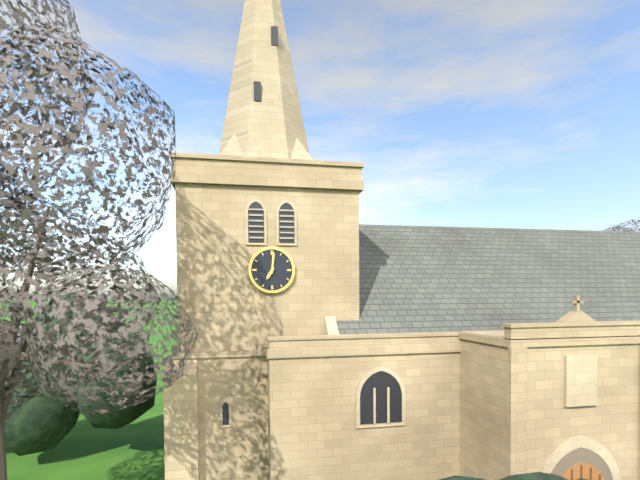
7h01
